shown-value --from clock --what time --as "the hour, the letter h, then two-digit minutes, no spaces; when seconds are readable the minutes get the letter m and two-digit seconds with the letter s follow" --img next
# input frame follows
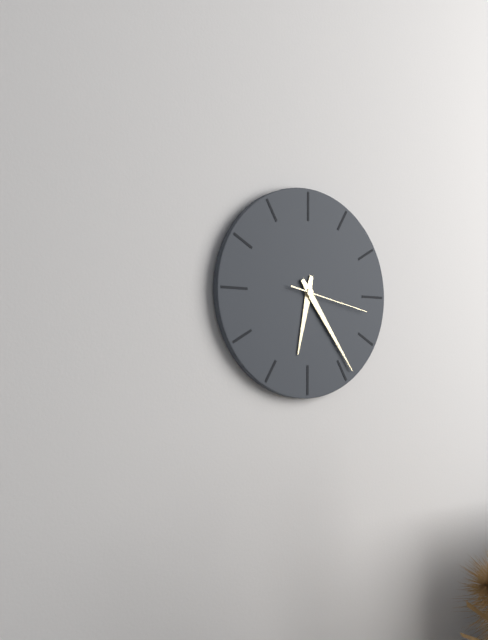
6h24m17s
